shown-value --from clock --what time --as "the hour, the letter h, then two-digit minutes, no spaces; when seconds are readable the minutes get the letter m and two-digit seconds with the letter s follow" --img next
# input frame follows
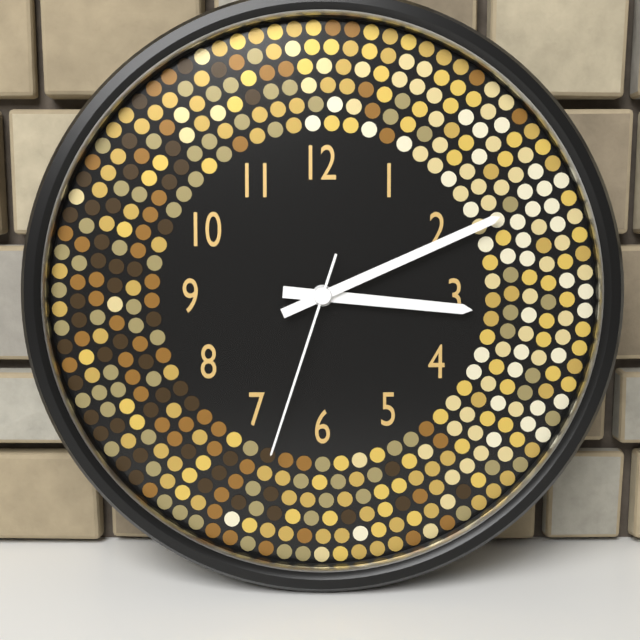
3h11m33s
